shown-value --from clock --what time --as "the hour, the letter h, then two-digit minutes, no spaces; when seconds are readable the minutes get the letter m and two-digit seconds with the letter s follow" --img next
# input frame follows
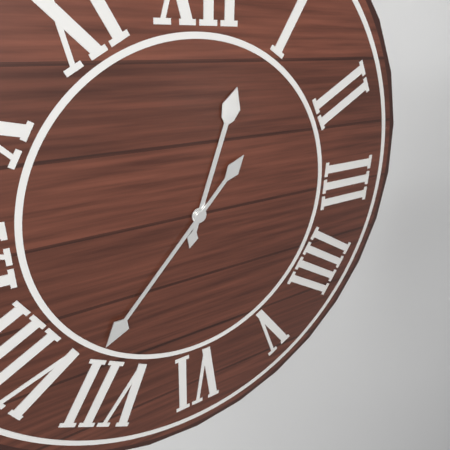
12h37
